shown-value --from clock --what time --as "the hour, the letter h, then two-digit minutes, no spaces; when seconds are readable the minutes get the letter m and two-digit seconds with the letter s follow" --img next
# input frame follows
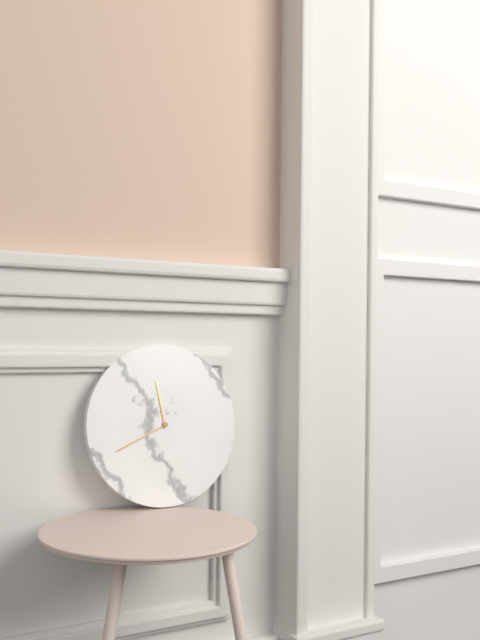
11h41
